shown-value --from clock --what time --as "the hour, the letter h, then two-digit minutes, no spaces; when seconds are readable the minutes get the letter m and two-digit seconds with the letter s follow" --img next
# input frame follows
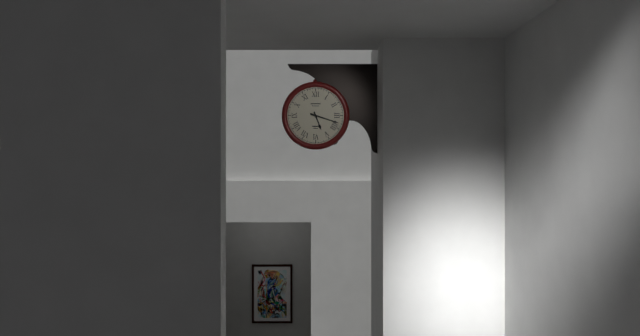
5h18
